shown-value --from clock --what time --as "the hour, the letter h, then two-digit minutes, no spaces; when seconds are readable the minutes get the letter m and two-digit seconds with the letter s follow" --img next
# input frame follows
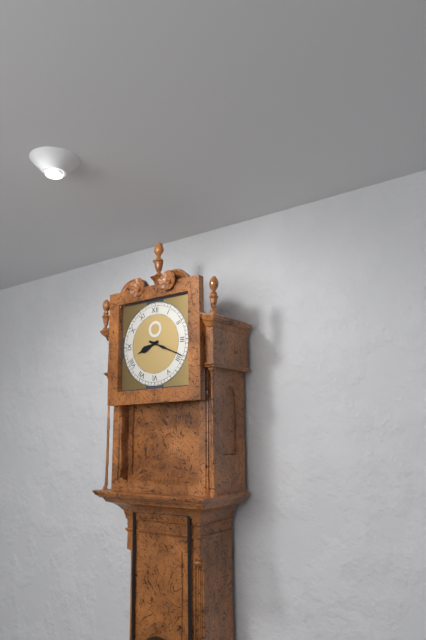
8h19
